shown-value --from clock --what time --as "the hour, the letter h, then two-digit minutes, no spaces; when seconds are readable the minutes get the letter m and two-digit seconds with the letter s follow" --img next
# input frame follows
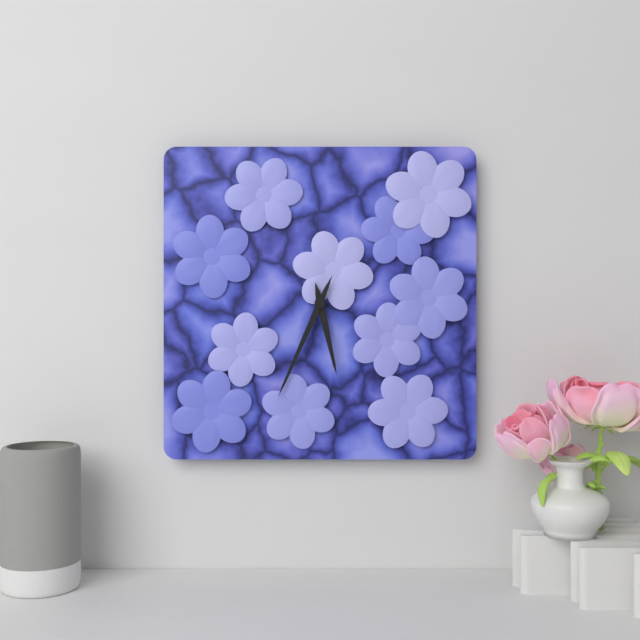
5h34
